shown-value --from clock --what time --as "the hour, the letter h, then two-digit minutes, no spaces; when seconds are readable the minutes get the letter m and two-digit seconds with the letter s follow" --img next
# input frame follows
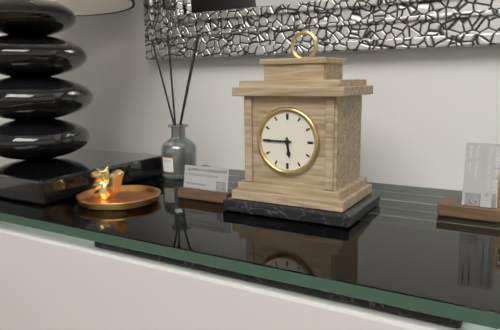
5h45
